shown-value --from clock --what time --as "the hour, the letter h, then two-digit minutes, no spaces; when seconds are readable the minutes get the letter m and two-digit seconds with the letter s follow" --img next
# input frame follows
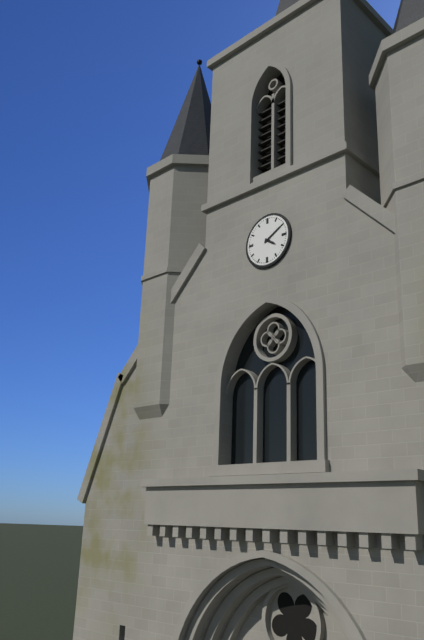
4h10
